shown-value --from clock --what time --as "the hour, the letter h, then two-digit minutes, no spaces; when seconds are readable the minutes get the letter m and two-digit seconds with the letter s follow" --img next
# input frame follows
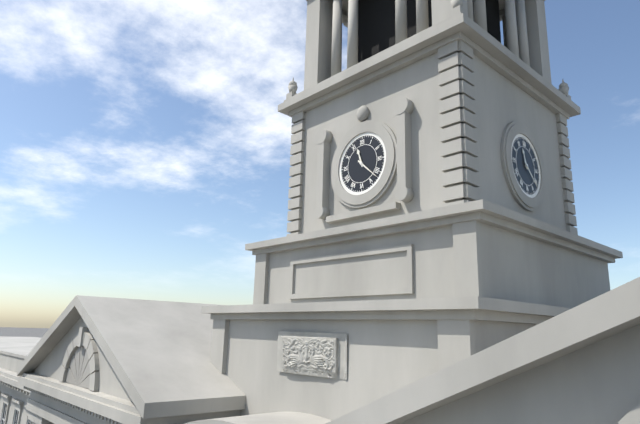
11h22
